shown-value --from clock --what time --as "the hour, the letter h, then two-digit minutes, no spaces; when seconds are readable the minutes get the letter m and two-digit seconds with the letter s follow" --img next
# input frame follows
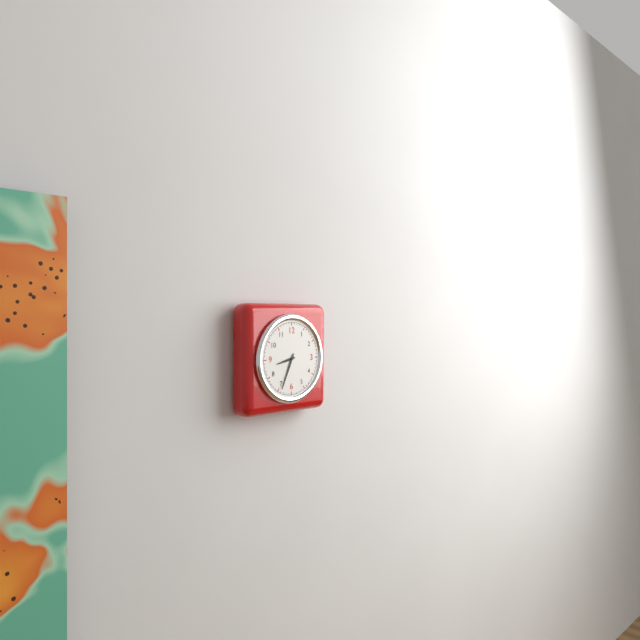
8h34
